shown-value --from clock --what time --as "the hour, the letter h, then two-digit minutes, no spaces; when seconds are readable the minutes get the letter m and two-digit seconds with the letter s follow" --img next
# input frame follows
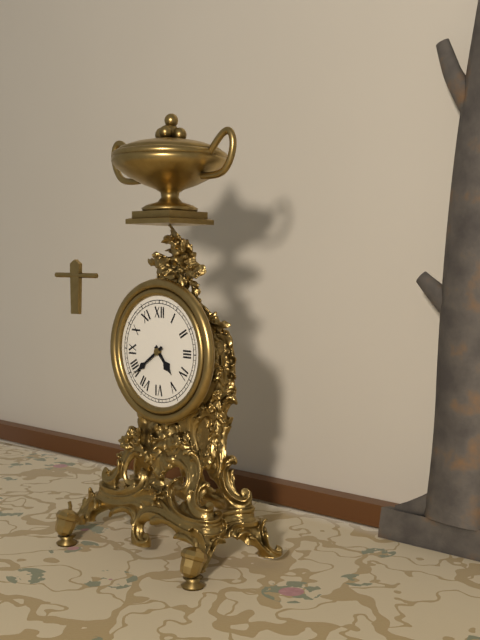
4h39
